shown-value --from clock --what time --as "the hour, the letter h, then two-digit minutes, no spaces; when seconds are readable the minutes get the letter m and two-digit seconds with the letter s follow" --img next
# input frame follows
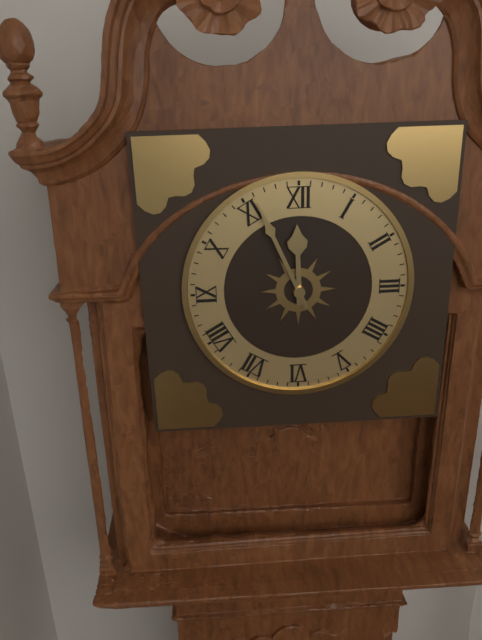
11h56
